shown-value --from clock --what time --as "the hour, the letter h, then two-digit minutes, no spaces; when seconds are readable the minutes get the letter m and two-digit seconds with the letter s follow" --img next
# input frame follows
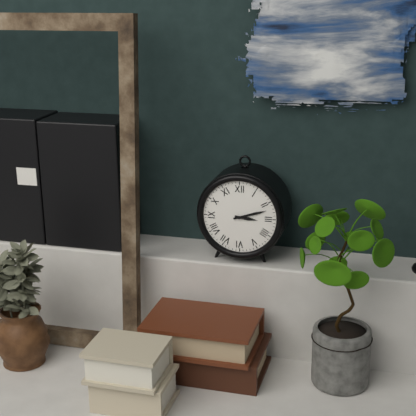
3h12
